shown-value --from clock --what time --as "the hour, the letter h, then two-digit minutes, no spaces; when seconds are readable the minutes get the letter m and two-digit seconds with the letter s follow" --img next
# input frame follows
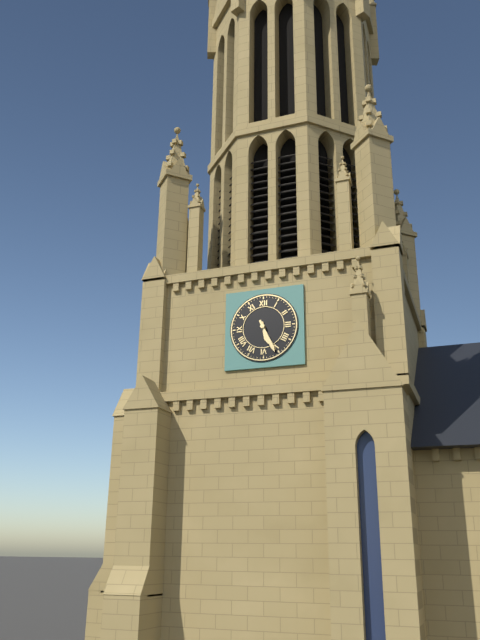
5h26
